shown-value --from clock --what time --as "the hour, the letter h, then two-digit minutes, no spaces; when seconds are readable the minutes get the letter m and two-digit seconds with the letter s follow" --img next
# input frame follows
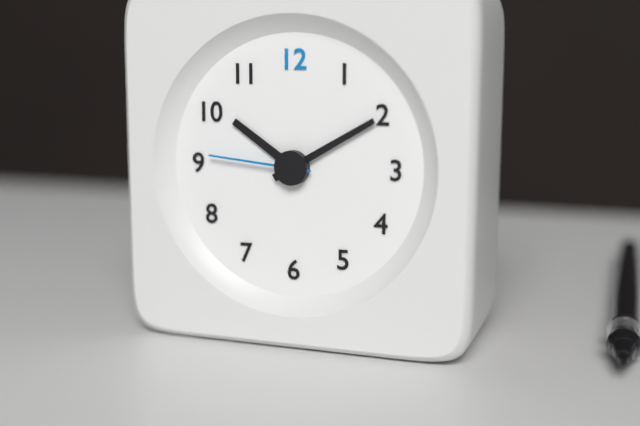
10h10m46s
